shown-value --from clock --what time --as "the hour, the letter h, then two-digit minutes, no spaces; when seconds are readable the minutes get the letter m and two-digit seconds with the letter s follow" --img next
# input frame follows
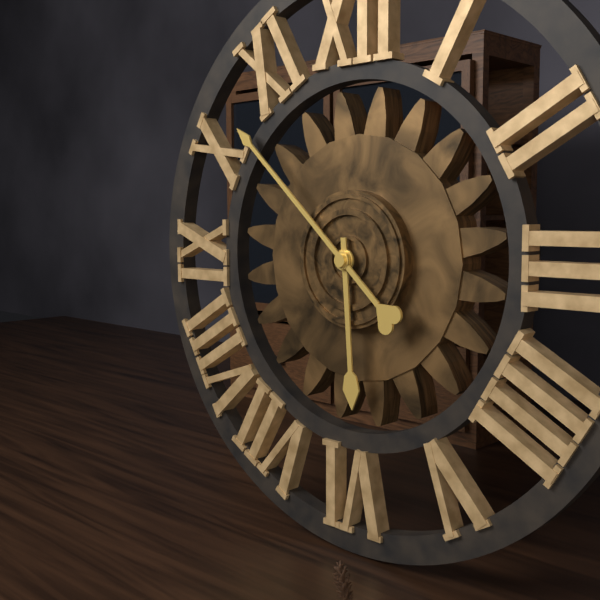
5h52
